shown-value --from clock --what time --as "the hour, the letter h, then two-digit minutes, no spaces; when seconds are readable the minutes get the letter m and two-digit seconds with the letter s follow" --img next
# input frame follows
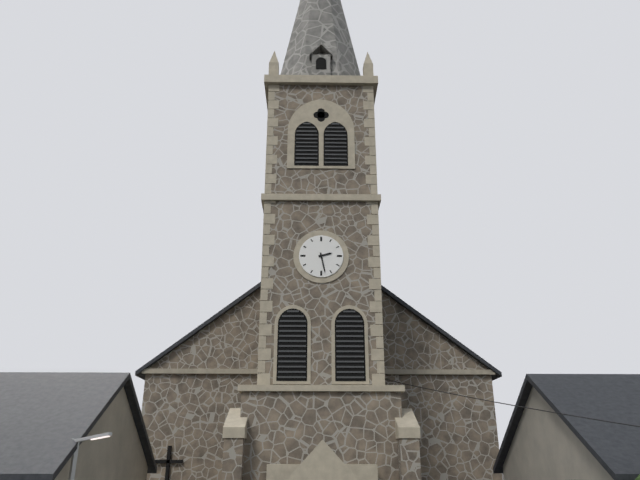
2h28
